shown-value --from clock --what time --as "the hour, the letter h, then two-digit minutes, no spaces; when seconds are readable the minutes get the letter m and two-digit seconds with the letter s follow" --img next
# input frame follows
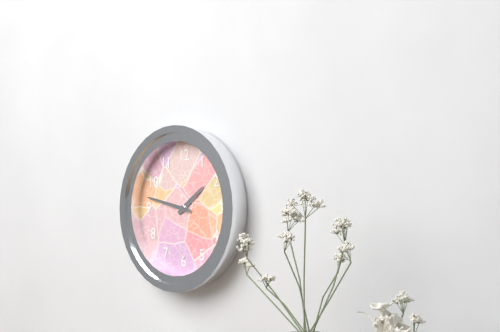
1h47
